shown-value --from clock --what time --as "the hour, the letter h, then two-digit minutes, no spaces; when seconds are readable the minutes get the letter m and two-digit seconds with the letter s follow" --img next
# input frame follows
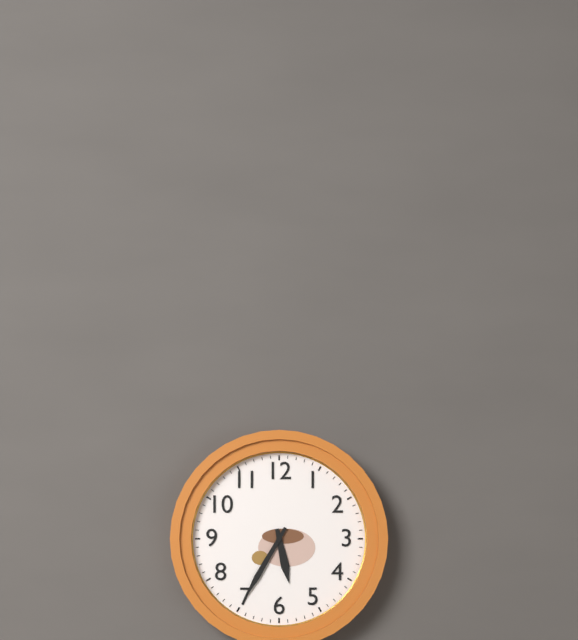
5h35
